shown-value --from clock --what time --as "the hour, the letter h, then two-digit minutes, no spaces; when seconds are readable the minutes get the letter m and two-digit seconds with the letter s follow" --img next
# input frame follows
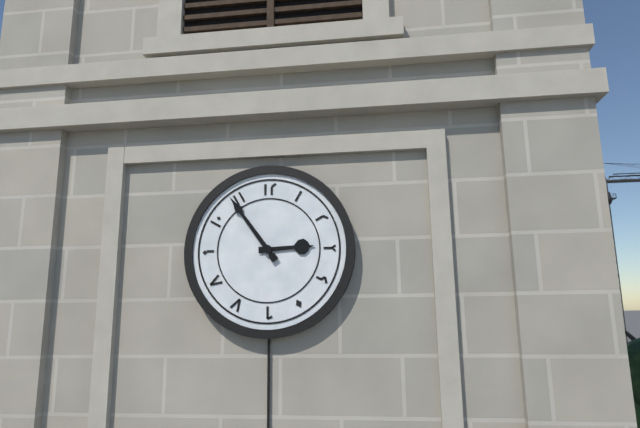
2h54
